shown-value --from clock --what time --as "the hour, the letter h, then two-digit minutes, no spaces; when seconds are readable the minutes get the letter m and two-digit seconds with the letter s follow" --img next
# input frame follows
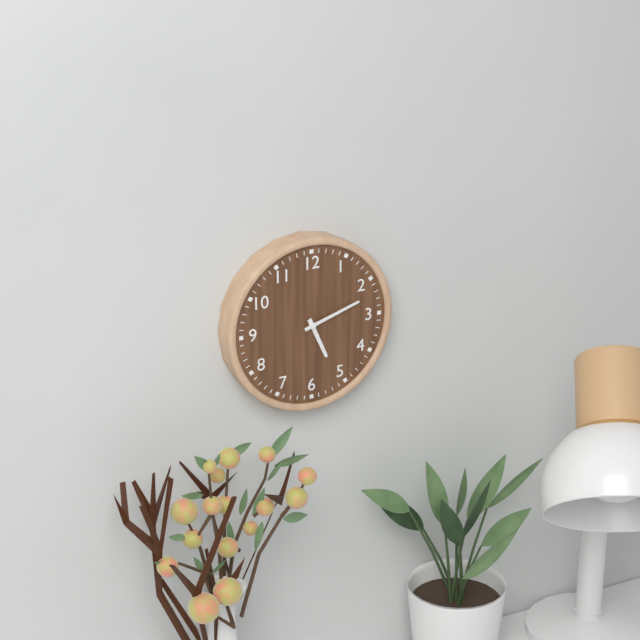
5h12
